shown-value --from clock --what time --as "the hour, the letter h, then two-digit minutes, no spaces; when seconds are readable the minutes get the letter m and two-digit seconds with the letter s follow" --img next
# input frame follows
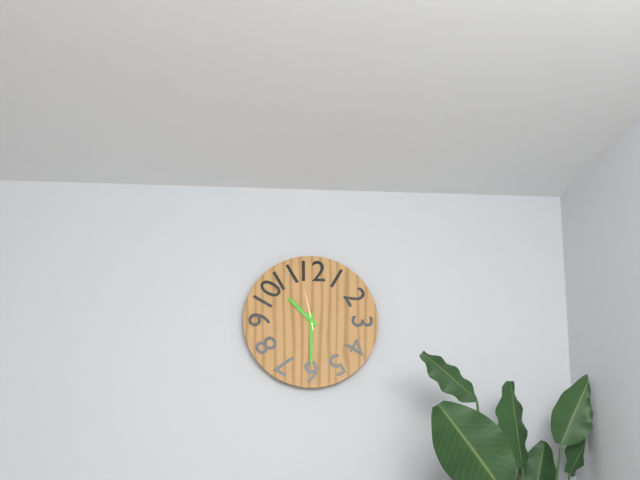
10h30
